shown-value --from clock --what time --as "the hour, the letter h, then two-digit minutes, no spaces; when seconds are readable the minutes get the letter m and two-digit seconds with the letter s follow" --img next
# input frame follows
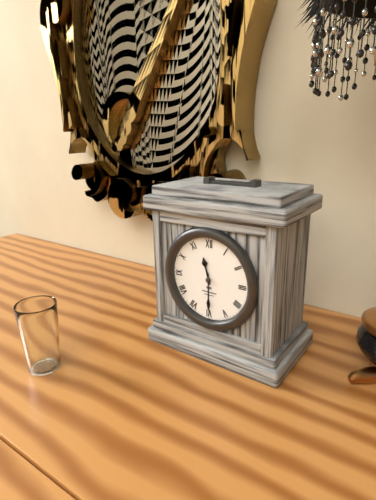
11h30
